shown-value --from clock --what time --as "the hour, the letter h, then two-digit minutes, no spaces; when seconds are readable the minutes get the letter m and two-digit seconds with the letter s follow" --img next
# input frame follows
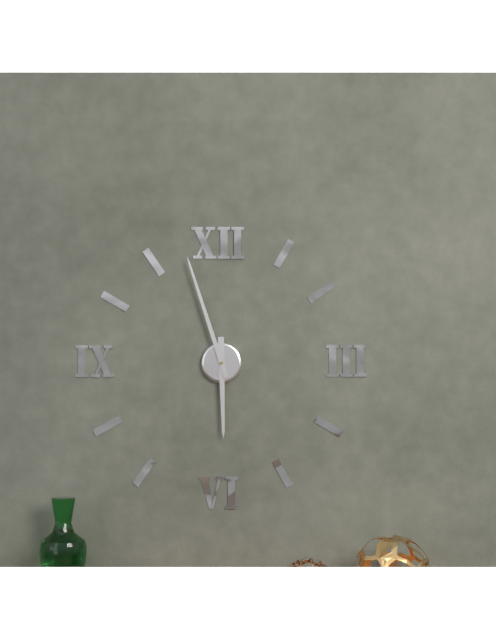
5h57
